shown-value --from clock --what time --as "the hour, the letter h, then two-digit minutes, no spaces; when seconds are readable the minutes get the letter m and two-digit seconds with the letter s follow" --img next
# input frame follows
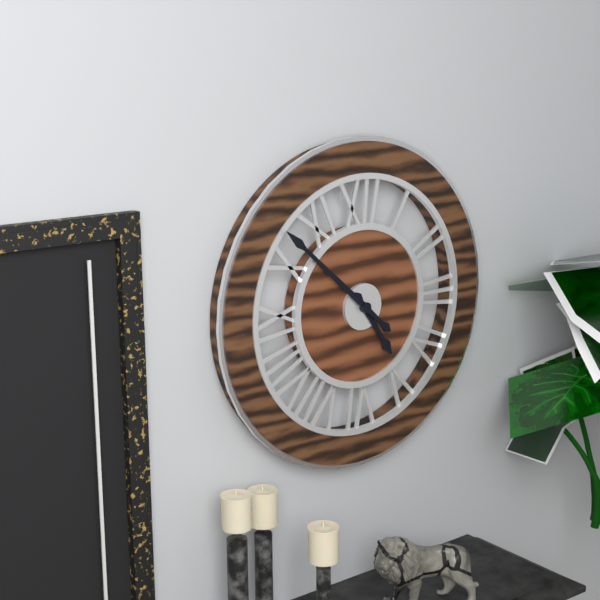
4h52
